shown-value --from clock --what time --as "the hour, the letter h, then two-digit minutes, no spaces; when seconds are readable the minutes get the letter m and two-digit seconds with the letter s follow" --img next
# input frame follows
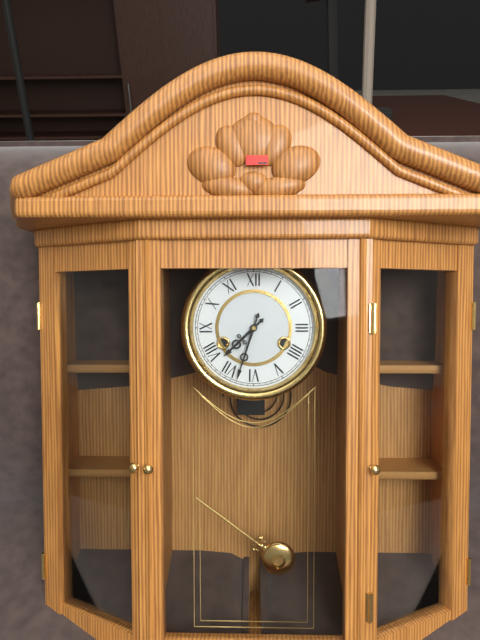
7h33
